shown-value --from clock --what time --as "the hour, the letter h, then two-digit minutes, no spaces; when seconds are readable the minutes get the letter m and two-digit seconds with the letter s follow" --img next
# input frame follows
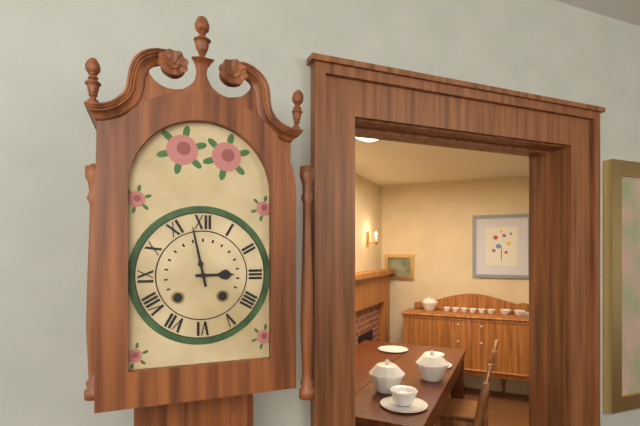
2h58
